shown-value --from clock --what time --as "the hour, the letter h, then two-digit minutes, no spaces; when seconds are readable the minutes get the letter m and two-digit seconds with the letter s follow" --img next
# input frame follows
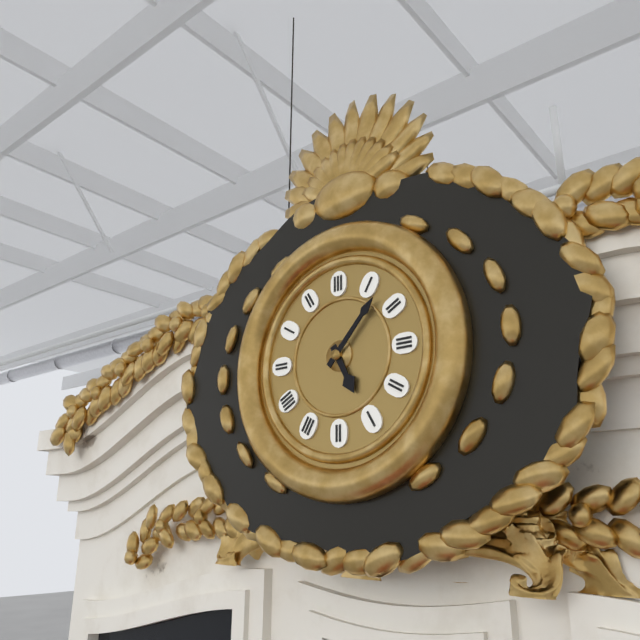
5h07
